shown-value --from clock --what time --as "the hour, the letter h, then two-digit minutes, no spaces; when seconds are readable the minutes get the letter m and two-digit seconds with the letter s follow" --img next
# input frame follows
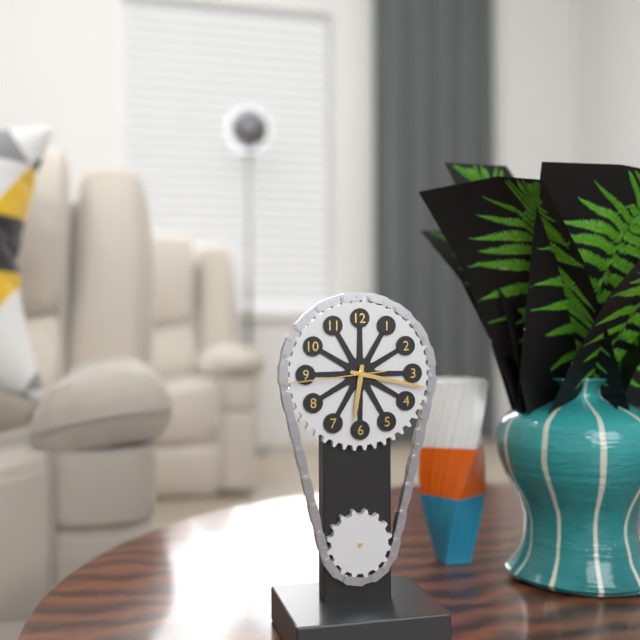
6h17m44s
